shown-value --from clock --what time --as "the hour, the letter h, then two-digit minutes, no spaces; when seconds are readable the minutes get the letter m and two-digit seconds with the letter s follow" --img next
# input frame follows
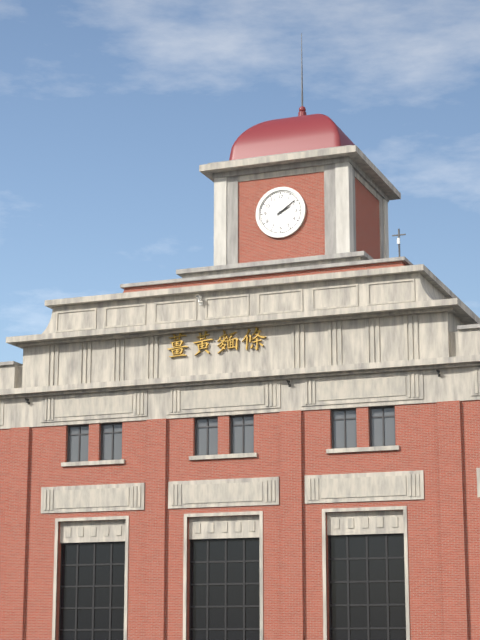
2h09
